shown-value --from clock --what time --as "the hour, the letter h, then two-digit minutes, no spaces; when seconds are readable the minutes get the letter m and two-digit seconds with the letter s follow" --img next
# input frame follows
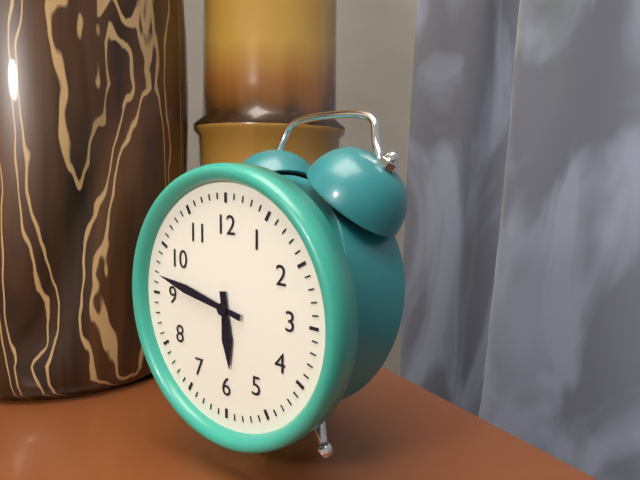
5h47
